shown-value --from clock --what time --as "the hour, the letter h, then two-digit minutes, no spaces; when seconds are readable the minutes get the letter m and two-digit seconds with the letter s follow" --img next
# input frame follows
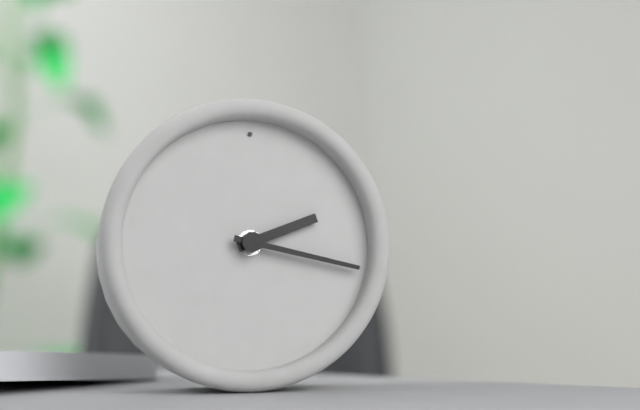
2h17
